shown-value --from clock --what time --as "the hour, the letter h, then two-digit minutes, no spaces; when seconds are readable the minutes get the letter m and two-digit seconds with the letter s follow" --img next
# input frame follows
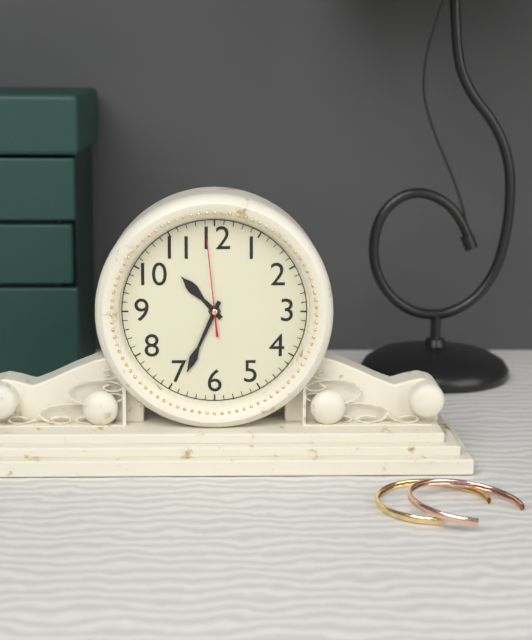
10h34m59s
